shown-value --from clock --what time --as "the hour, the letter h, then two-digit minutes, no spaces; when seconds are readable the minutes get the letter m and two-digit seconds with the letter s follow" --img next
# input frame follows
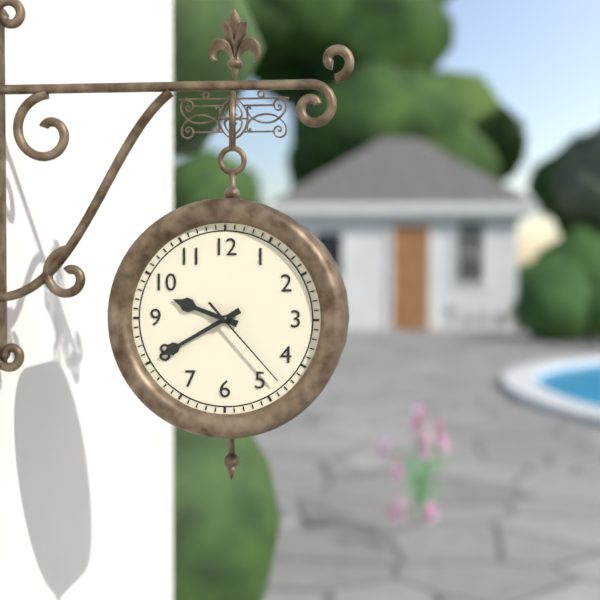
9h40m23s
